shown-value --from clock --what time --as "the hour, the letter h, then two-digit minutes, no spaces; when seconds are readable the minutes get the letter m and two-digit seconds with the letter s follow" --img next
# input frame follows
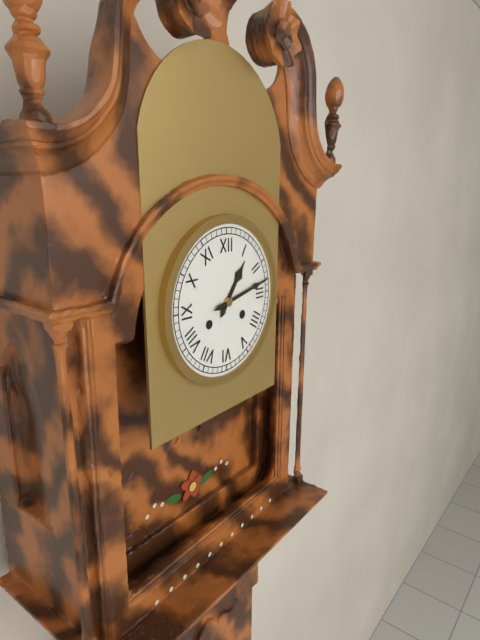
1h13
